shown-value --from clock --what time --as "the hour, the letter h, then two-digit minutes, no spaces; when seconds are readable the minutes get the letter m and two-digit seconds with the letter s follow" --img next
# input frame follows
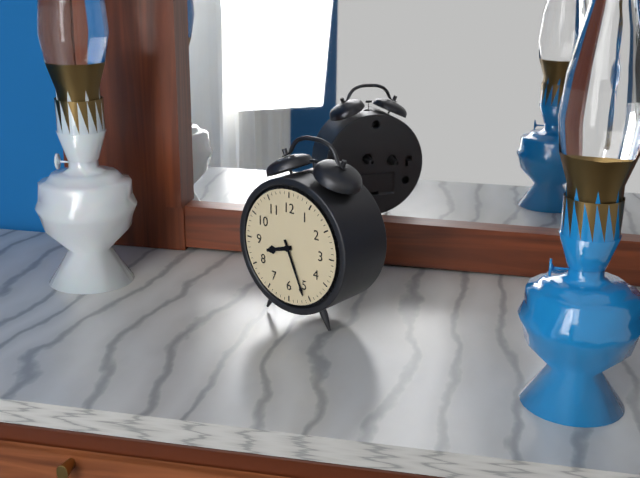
8h26
